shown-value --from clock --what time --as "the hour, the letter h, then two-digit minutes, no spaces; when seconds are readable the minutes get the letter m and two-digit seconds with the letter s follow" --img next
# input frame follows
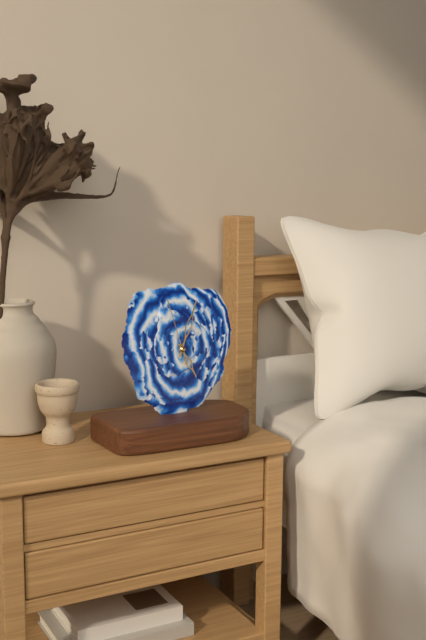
5h03m57s
